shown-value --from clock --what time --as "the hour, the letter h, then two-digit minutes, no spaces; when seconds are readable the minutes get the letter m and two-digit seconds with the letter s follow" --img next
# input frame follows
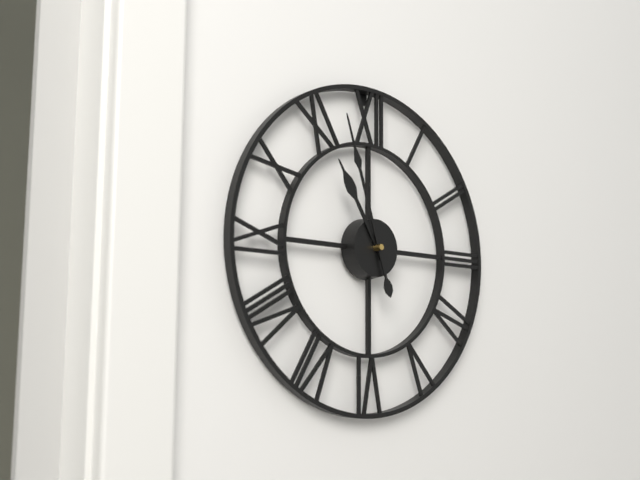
10h57
